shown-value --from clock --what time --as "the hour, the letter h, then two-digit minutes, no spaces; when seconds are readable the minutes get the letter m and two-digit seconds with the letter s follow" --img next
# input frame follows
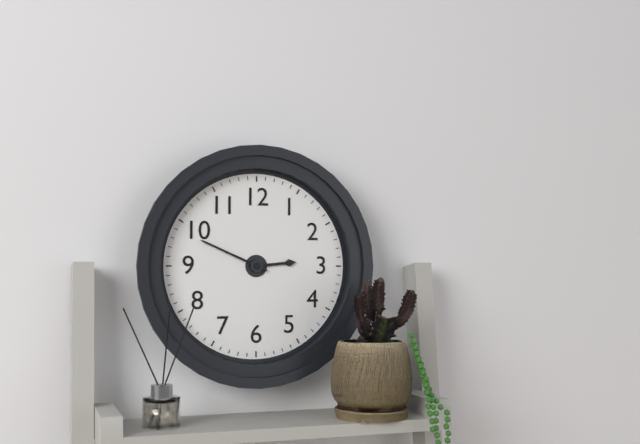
2h49
